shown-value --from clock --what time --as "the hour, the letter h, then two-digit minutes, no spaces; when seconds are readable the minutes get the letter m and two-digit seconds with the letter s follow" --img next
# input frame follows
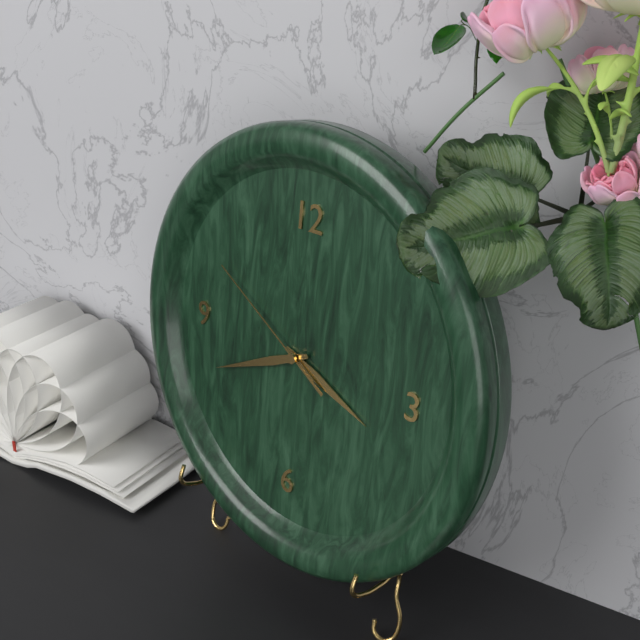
3h41m50s
